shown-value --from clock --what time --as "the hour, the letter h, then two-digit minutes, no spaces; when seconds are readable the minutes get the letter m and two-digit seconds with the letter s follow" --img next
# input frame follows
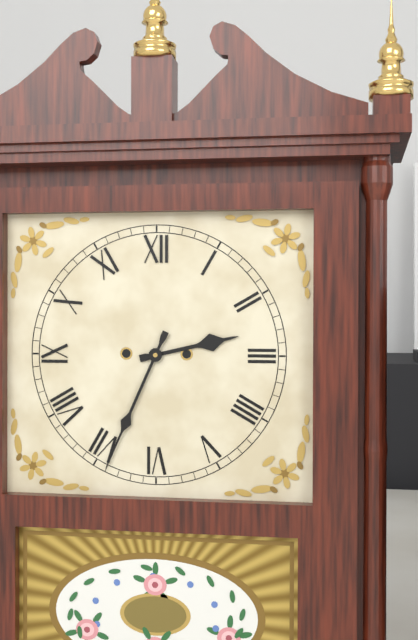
2h34
